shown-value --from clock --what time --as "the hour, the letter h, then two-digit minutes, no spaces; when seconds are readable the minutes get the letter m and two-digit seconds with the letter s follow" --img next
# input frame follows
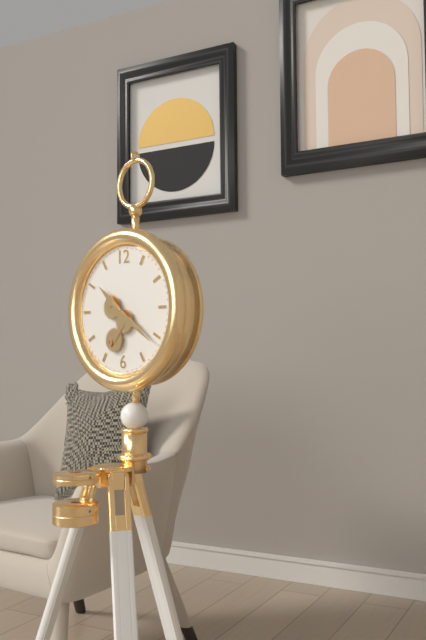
10h21
